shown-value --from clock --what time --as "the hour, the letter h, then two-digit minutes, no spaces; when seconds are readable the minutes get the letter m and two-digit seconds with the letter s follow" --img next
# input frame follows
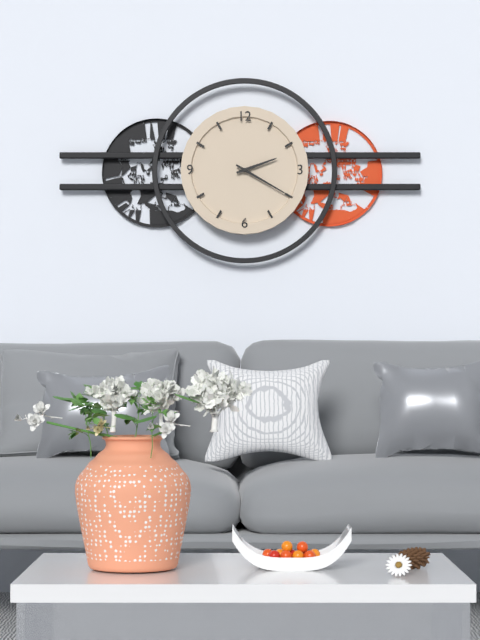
2h20
